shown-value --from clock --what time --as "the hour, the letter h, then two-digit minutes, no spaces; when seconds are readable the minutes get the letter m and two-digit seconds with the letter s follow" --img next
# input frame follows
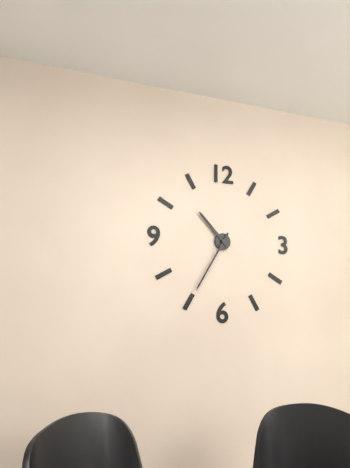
10h35
